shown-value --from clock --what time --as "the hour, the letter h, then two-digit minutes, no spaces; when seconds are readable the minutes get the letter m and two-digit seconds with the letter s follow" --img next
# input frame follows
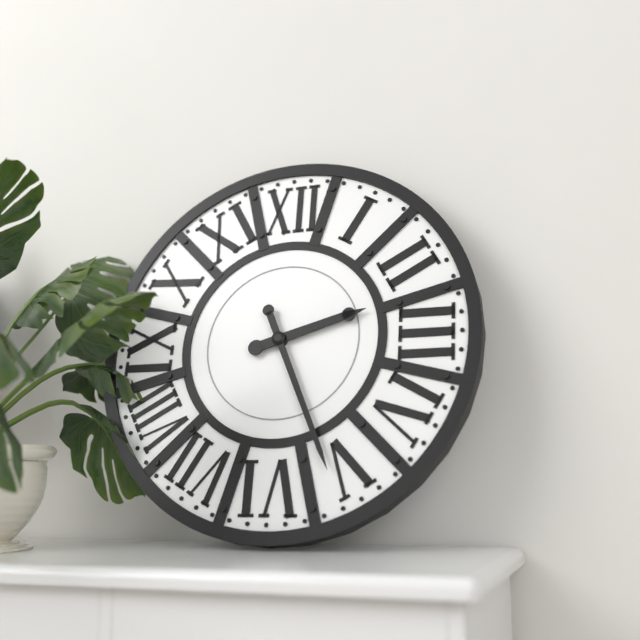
2h26
